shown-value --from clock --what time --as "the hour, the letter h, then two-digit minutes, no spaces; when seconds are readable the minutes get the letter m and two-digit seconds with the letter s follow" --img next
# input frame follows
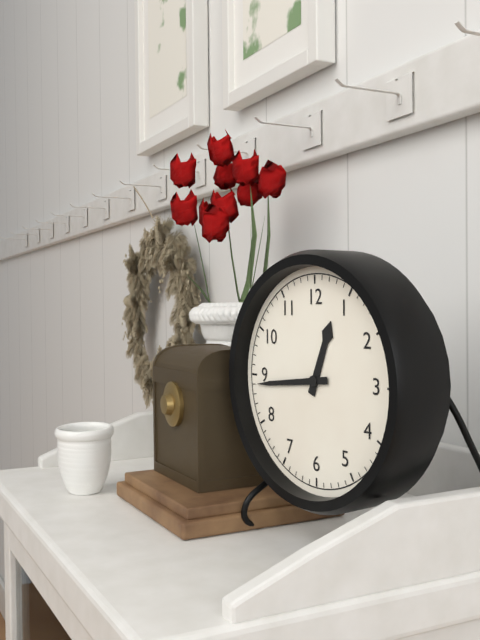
12h44
